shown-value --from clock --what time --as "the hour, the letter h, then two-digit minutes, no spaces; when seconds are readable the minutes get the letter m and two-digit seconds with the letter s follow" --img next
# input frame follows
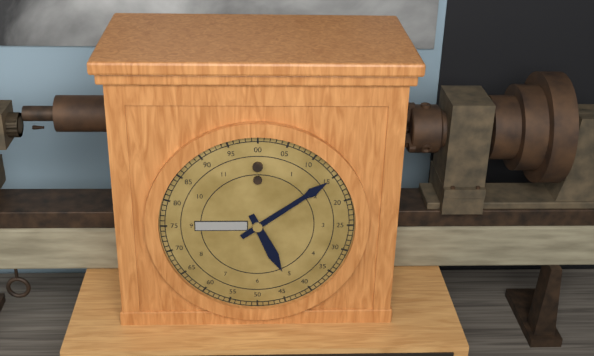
5h09
